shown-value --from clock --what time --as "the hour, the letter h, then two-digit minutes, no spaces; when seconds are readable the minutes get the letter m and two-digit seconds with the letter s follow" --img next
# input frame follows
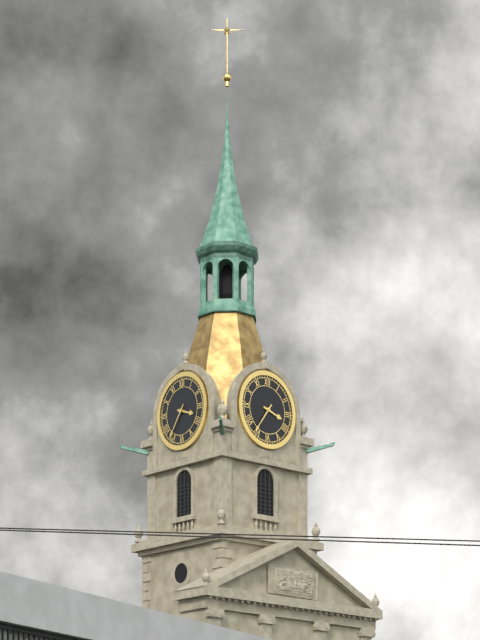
3h36
